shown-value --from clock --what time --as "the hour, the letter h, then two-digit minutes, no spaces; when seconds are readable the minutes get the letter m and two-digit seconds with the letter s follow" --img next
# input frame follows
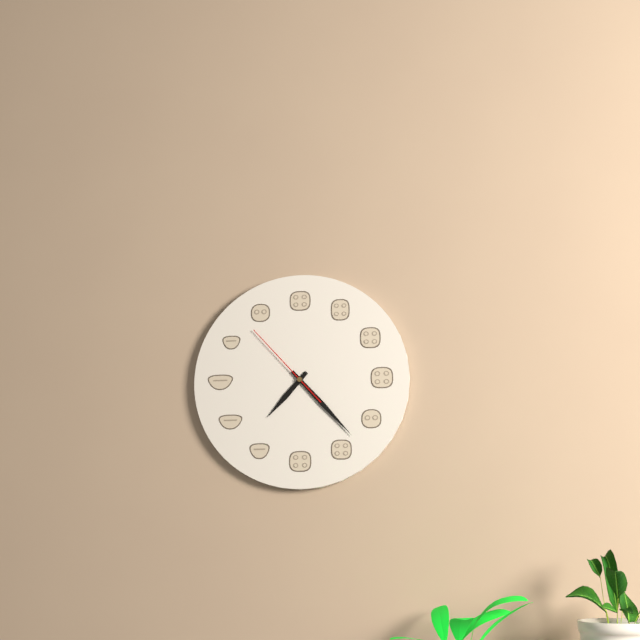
7h23m53s
